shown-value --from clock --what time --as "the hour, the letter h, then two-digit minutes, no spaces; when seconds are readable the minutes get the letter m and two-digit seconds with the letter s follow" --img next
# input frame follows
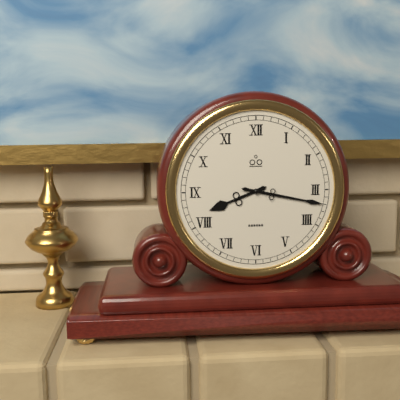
8h17
